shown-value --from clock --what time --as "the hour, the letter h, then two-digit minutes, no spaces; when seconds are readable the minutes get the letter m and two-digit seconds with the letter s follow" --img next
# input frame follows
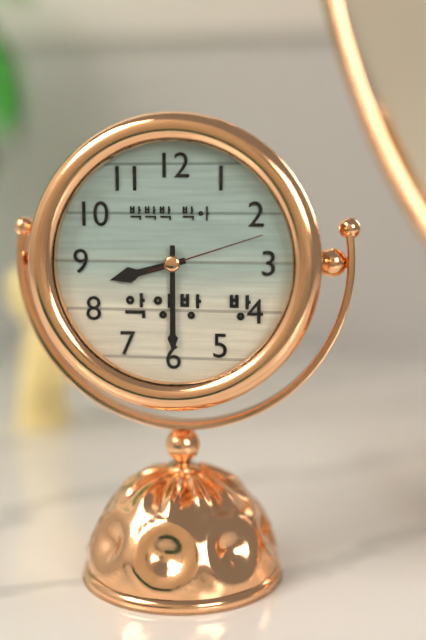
8h30m12s
